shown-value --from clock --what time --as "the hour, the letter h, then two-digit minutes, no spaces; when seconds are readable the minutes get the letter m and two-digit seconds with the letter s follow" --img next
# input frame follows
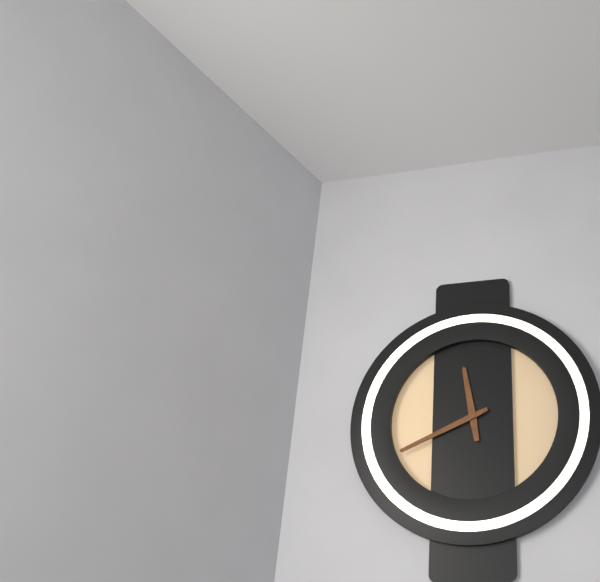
11h41
